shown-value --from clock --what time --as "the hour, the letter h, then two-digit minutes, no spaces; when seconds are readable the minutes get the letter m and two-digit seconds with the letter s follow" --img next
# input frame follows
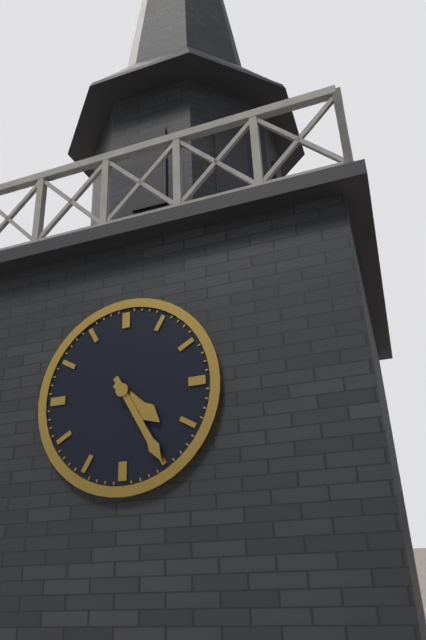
4h25
